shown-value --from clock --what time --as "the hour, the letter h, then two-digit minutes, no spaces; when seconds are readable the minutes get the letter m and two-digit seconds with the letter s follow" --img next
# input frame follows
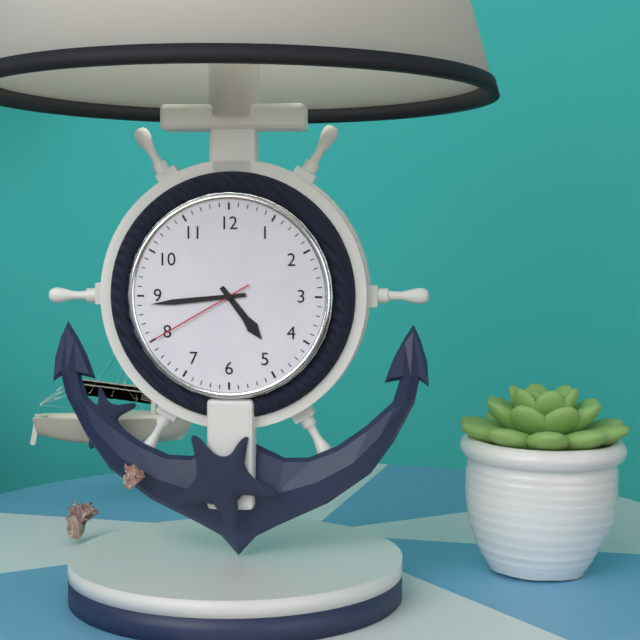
4h44m40s
